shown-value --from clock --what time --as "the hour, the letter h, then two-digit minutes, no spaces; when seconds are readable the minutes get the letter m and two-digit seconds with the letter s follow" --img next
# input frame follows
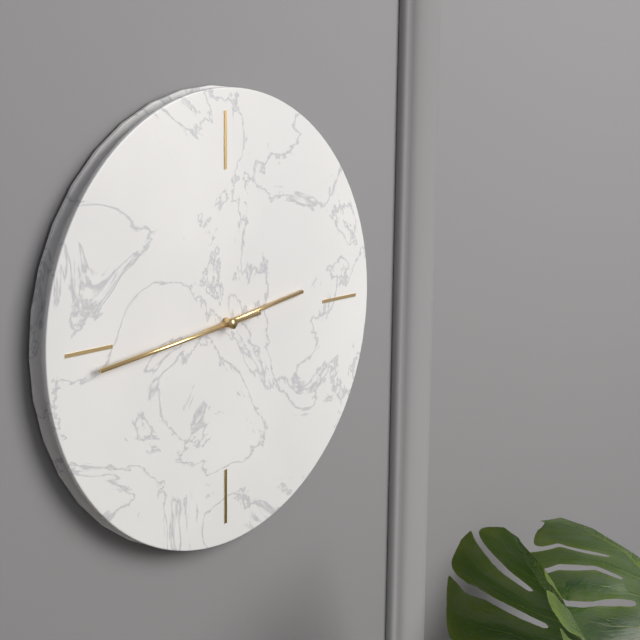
2h44
